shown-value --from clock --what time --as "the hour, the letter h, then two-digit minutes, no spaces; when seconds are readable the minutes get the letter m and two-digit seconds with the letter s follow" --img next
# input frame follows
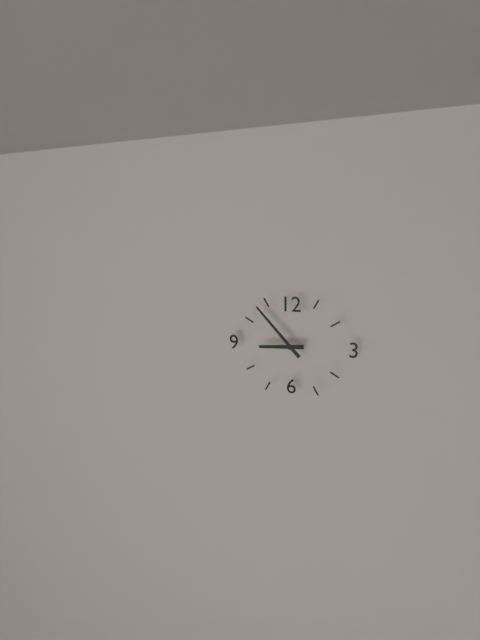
8h53
